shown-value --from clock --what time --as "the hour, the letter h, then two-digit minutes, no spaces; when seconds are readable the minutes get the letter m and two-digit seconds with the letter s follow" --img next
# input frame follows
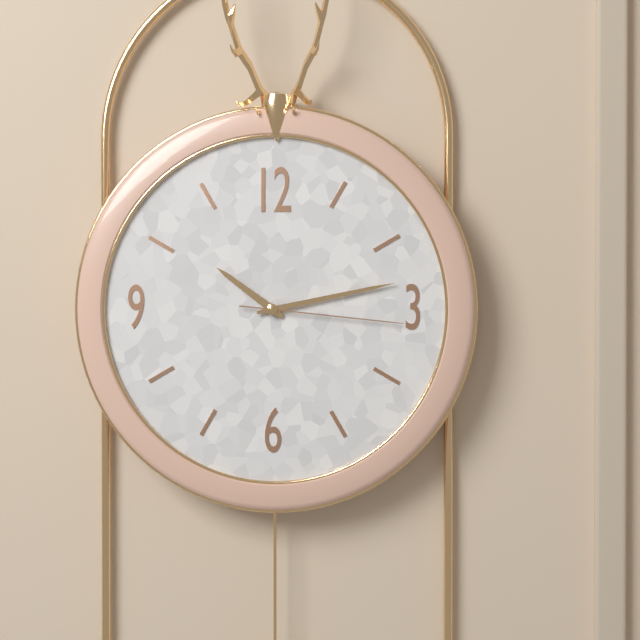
10h13m16s
